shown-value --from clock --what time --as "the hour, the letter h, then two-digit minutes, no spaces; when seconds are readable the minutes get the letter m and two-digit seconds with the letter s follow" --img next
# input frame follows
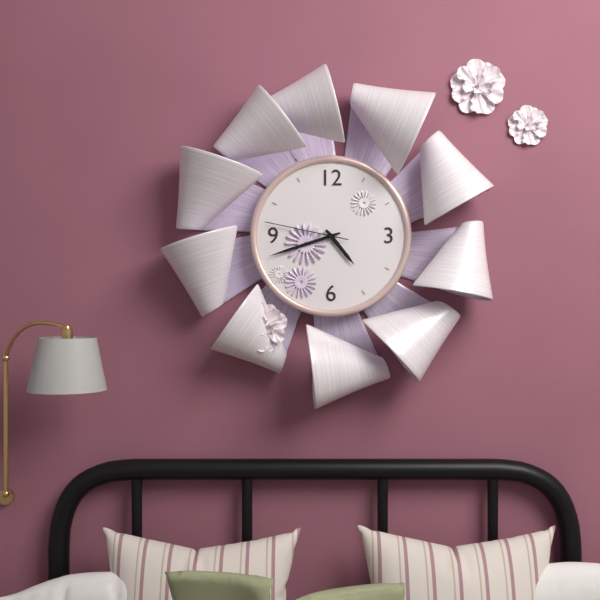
4h42m47s
